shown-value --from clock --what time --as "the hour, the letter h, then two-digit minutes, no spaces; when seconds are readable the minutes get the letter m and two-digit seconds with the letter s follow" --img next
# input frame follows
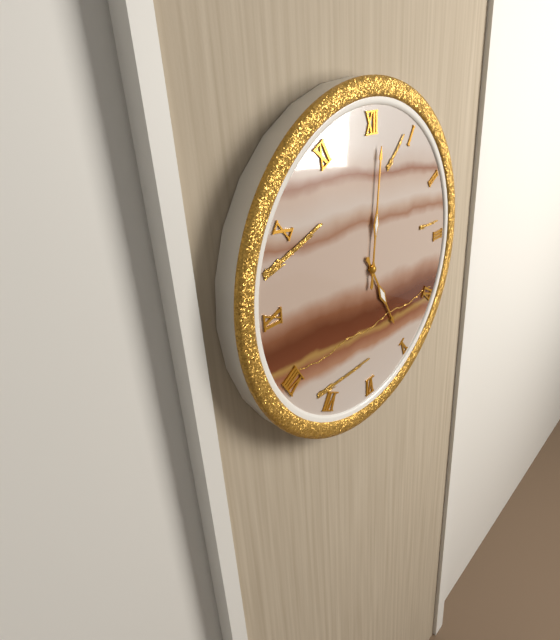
5h01
